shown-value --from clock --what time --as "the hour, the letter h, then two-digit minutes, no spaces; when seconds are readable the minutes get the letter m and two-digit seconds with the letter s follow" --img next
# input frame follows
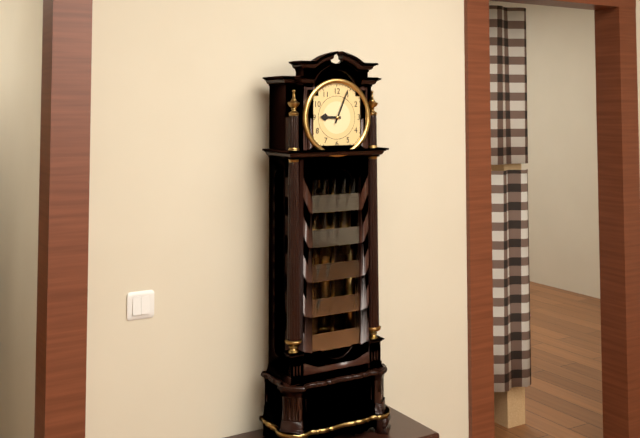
9h04
